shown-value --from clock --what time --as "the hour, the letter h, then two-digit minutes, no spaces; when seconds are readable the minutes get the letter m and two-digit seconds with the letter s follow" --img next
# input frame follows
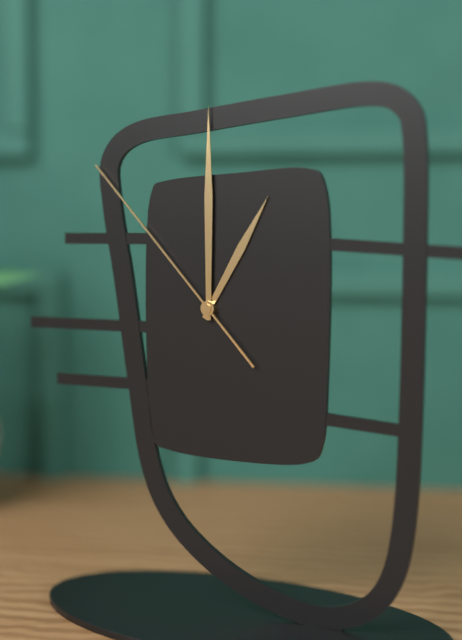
1h00m53s
